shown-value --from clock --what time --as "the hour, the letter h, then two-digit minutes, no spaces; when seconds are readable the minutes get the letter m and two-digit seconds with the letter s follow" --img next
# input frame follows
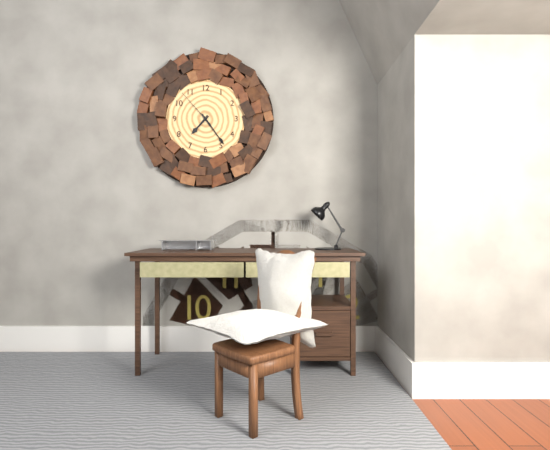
7h24
